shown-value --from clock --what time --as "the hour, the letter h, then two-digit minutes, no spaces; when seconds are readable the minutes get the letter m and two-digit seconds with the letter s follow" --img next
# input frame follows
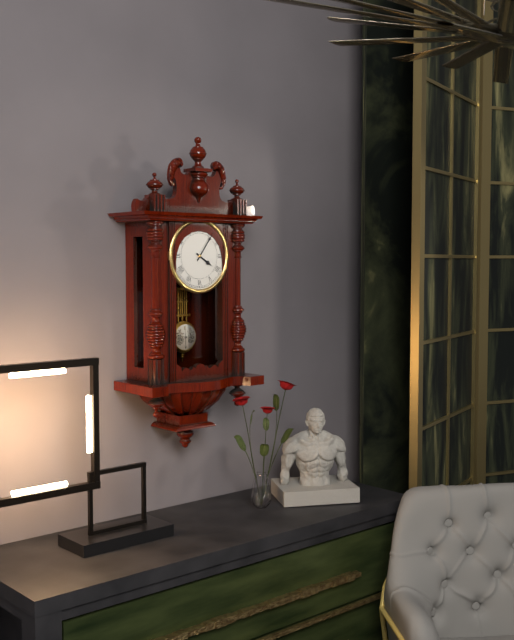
4h06
